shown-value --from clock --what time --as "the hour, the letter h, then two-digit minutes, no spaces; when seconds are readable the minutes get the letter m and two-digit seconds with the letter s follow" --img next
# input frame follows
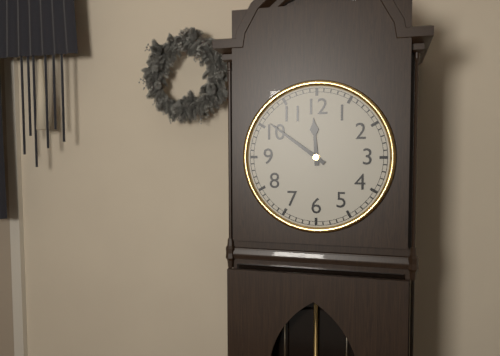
11h51
